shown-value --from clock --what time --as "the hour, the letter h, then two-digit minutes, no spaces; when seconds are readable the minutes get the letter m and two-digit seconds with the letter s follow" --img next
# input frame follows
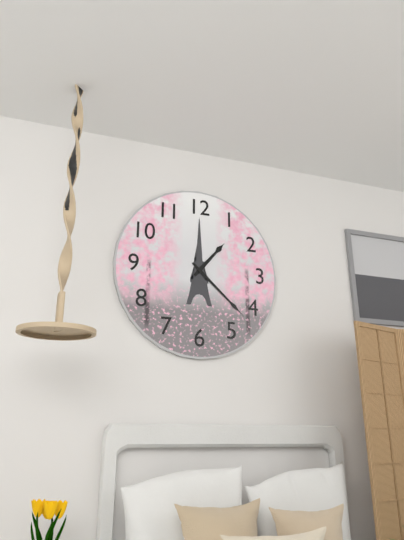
1h22
